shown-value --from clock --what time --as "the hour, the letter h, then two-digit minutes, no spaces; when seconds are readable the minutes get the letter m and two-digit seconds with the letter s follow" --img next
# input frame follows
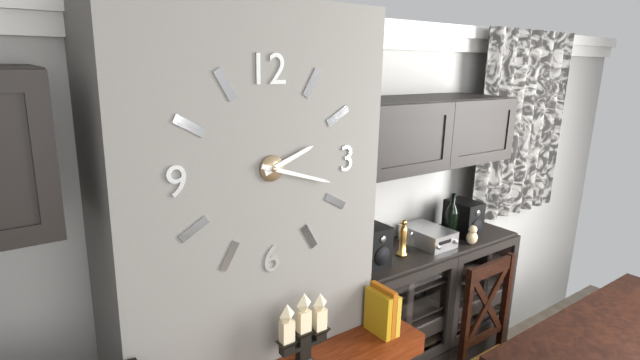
2h18
